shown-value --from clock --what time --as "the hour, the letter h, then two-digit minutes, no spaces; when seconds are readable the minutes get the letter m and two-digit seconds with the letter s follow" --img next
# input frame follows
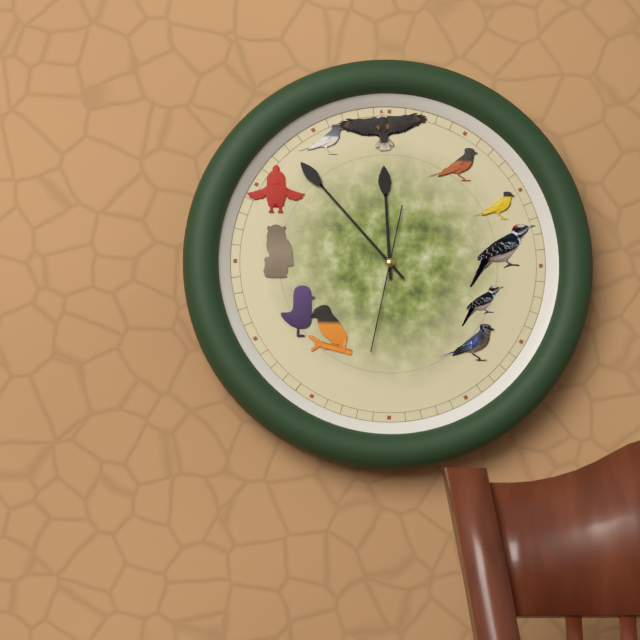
11h53m32s
